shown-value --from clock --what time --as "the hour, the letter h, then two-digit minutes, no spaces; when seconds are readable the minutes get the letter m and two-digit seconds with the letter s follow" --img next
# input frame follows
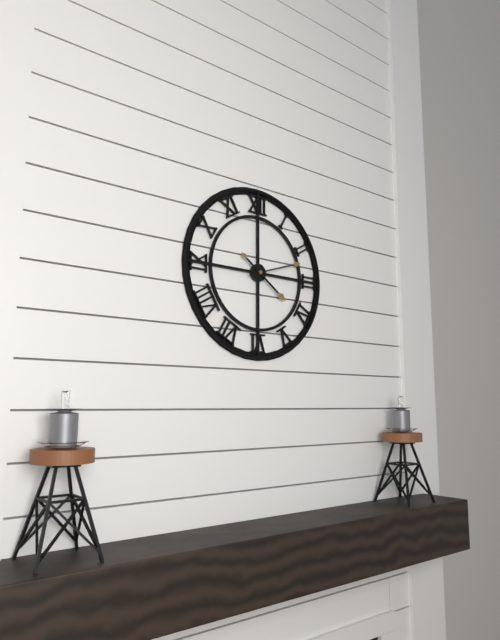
4h12
